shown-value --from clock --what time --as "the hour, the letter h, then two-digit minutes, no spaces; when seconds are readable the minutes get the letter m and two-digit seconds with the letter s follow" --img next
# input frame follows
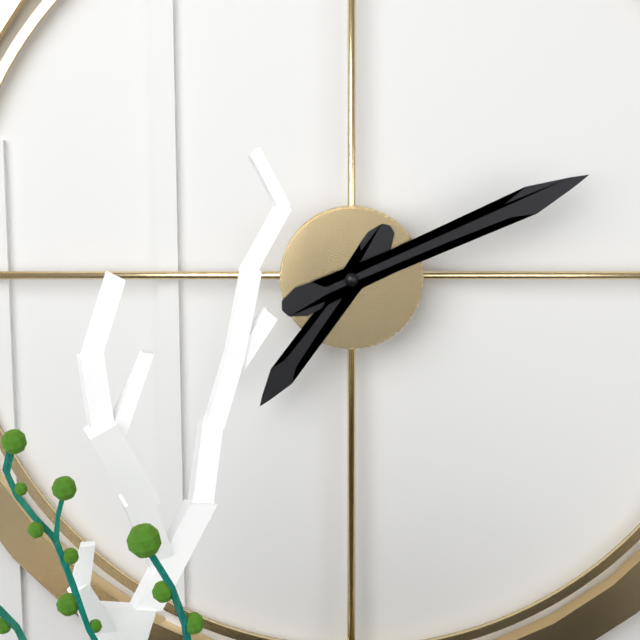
7h11
